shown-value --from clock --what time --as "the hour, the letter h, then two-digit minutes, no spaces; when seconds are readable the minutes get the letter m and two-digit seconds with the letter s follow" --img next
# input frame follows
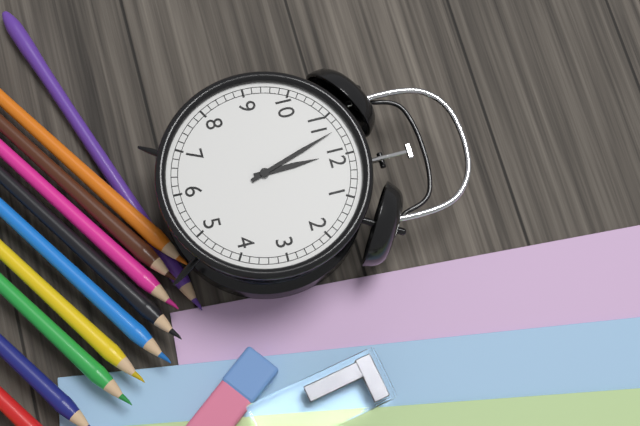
11h57
